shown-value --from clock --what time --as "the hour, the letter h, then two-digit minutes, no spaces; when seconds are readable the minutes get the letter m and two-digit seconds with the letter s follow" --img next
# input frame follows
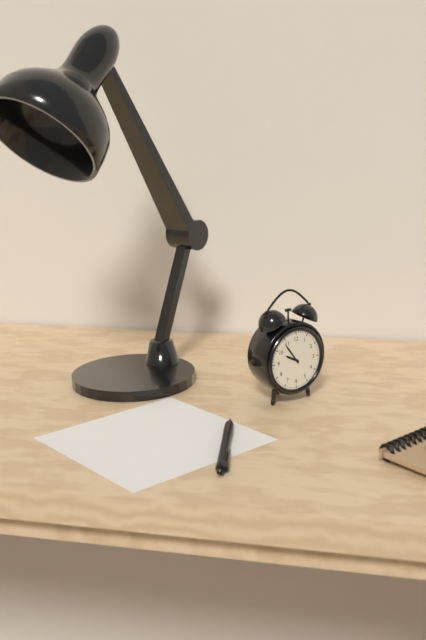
9h54
